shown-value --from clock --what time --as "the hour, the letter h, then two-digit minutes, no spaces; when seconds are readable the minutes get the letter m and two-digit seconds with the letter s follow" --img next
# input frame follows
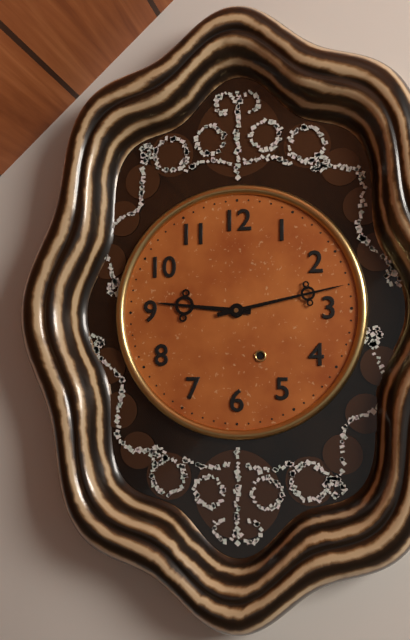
9h13
